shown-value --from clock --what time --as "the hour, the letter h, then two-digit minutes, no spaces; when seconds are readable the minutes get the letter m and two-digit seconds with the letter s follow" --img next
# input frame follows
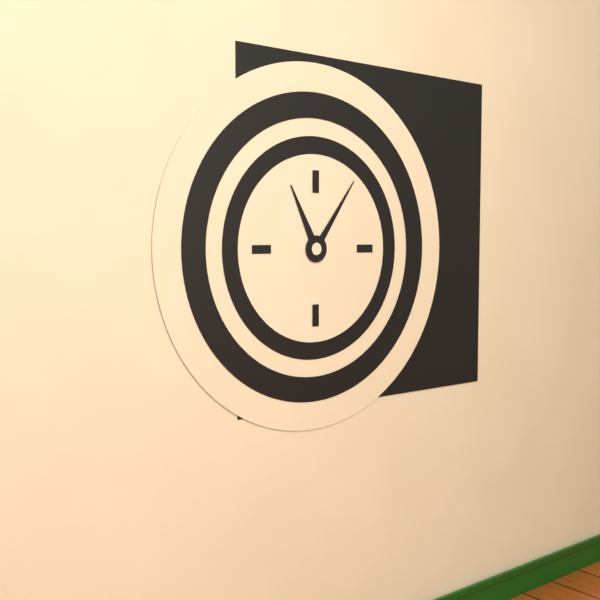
11h06
